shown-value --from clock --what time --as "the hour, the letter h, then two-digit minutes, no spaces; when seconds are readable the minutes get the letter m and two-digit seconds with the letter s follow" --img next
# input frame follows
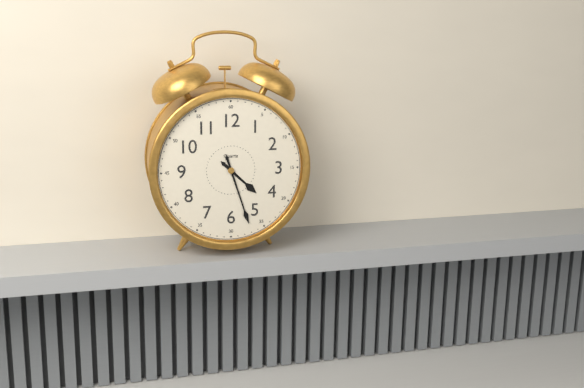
4h27
